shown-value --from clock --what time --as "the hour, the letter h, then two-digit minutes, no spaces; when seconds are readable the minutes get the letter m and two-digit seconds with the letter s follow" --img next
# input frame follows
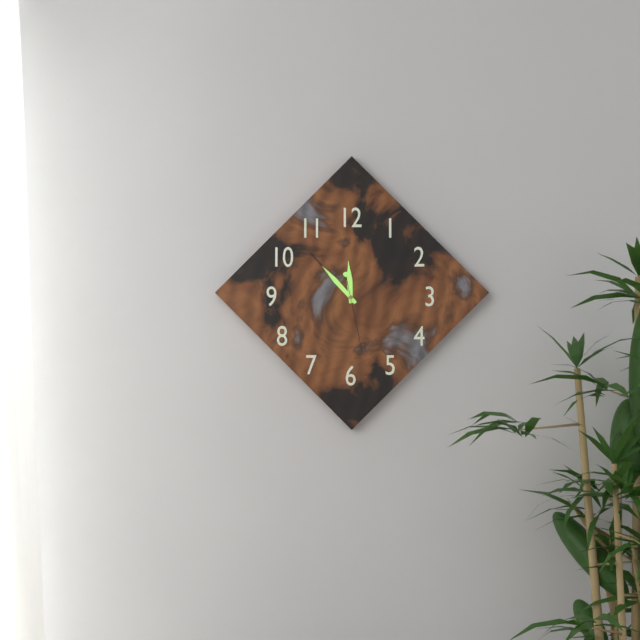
11h53m28s
